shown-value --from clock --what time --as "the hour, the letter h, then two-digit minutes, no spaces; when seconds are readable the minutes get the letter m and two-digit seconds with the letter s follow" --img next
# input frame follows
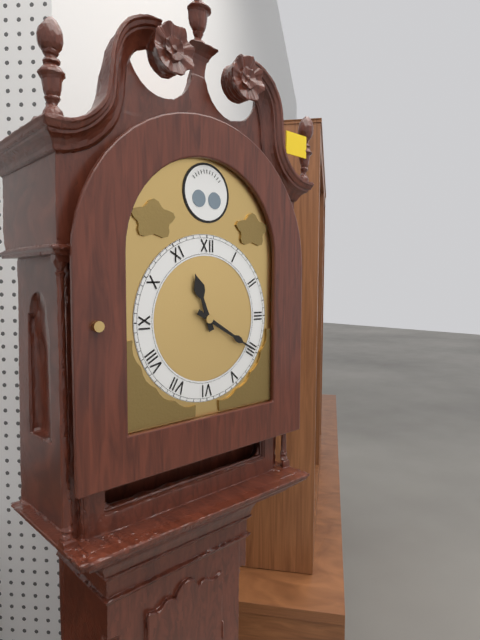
11h20
